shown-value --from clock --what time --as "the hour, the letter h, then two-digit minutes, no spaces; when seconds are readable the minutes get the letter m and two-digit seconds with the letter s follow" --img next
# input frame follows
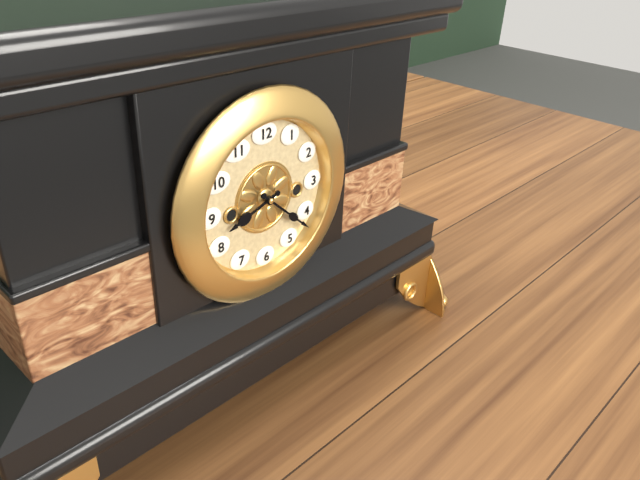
8h22
